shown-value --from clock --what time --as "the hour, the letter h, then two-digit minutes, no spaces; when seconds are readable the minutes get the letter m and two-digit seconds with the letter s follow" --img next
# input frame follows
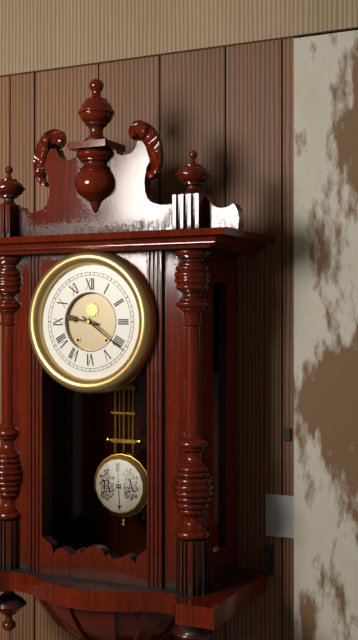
9h21
